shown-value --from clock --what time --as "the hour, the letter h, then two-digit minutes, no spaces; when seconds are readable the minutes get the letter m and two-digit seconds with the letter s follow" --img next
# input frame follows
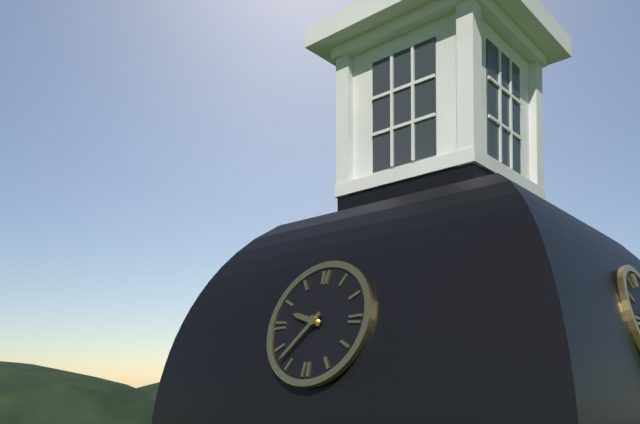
9h37
